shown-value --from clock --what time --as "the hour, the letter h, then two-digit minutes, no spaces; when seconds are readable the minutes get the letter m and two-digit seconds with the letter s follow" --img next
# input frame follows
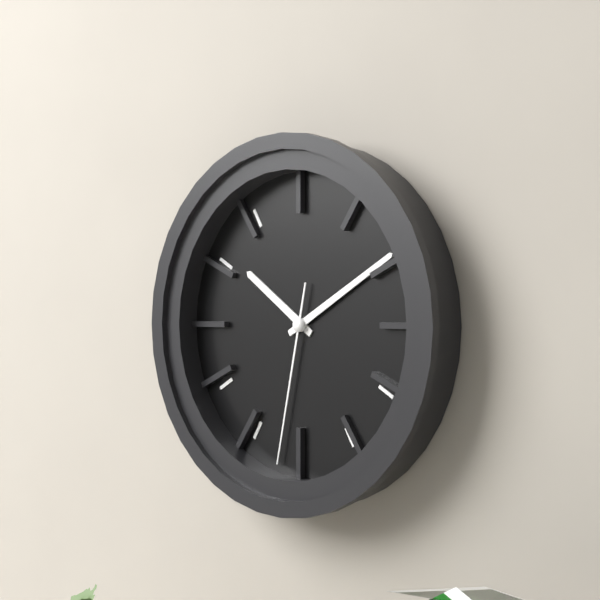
10h10m32s
